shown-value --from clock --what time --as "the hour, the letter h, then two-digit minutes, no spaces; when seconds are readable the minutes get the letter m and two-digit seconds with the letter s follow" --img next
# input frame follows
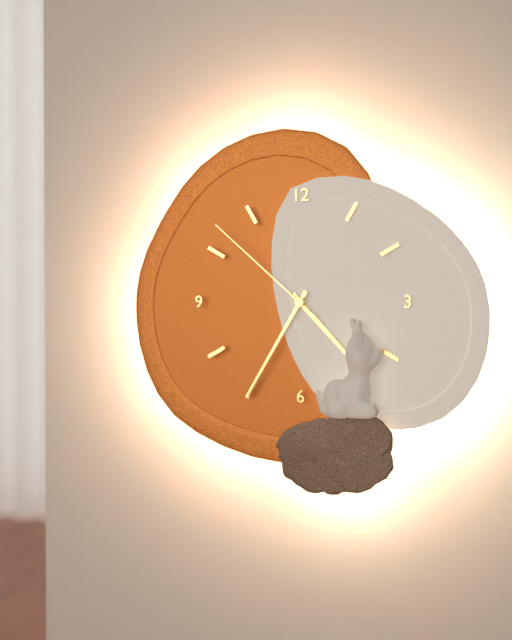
4h35m52s
